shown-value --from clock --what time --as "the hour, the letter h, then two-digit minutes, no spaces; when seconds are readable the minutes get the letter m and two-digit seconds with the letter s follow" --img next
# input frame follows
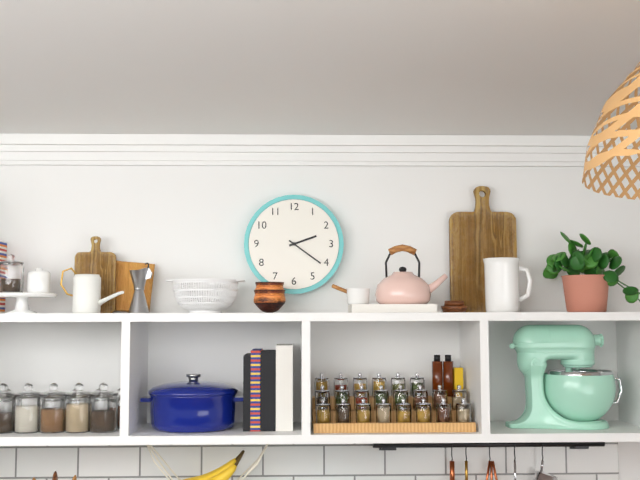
2h21
